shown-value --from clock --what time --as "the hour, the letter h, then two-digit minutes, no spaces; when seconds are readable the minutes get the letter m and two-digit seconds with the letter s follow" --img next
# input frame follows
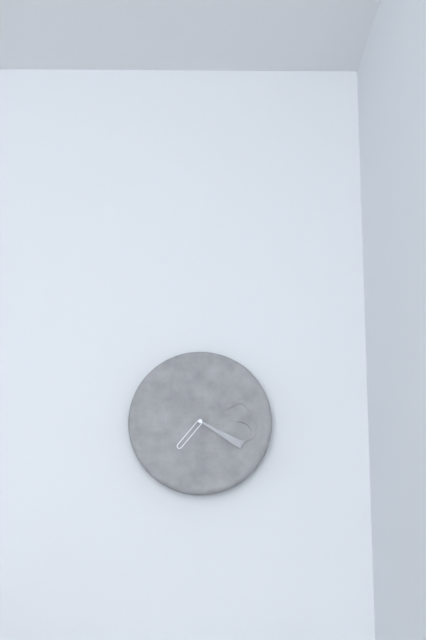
7h20
